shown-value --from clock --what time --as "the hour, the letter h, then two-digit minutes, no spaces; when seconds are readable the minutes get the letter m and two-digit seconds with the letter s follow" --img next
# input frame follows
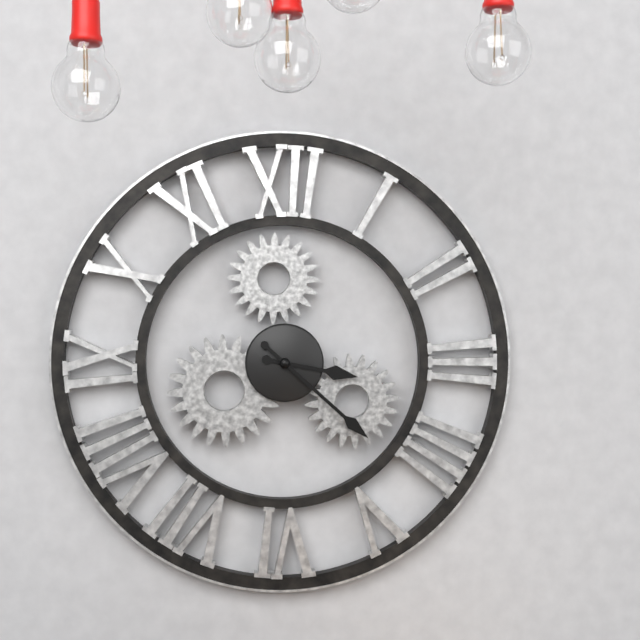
3h22
